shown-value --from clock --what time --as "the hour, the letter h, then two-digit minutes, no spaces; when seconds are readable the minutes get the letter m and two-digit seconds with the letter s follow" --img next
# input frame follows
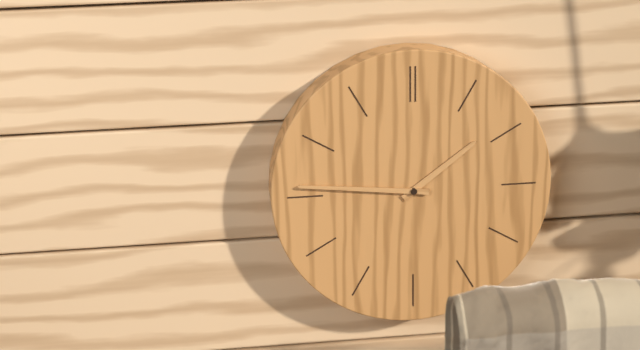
1h46
